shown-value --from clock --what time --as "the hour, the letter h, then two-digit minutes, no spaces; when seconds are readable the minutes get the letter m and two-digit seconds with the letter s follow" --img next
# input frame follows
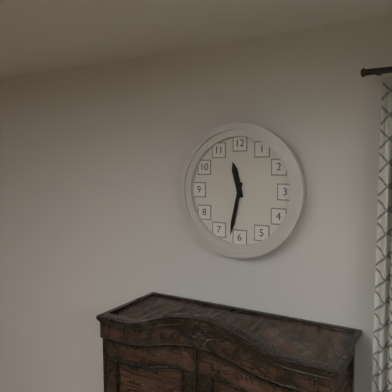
11h32
